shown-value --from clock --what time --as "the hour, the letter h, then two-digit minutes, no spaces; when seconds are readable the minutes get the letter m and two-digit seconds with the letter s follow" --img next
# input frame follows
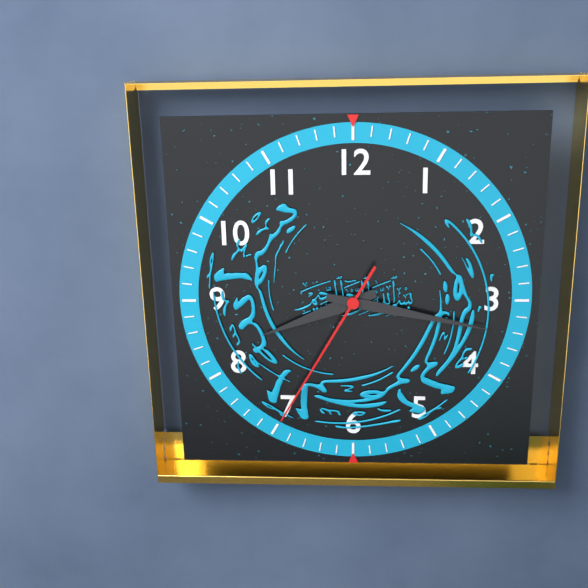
8h17m35s
